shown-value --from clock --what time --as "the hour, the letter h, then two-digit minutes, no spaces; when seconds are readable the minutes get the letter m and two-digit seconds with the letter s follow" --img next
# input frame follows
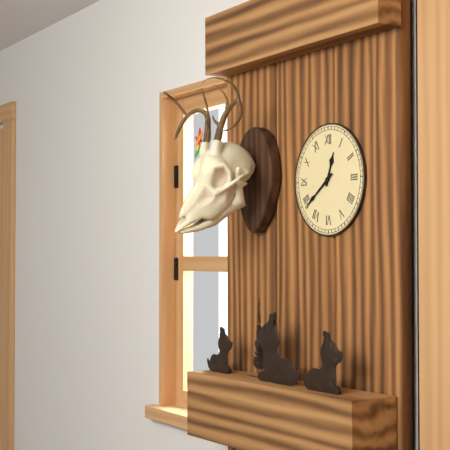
12h39
